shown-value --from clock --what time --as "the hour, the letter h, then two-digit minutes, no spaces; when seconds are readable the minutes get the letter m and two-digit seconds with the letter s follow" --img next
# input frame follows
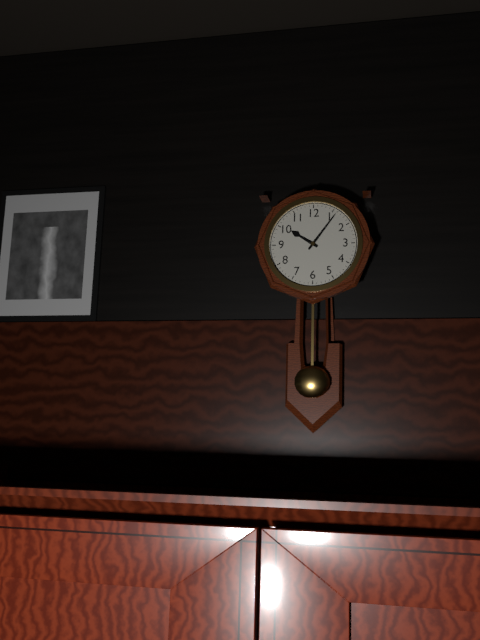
10h06
